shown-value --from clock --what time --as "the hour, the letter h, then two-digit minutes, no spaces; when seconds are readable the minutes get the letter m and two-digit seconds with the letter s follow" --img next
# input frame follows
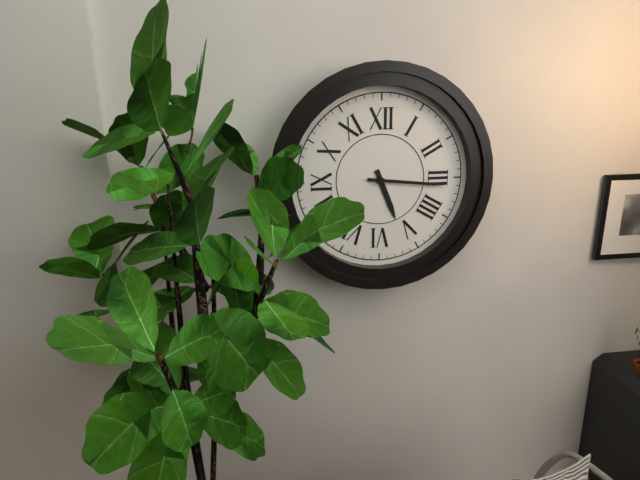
5h16
